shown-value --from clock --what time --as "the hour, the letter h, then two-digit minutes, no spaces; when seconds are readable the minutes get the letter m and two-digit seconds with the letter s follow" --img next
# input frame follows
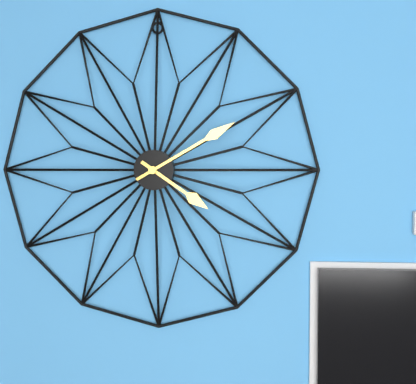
4h10
